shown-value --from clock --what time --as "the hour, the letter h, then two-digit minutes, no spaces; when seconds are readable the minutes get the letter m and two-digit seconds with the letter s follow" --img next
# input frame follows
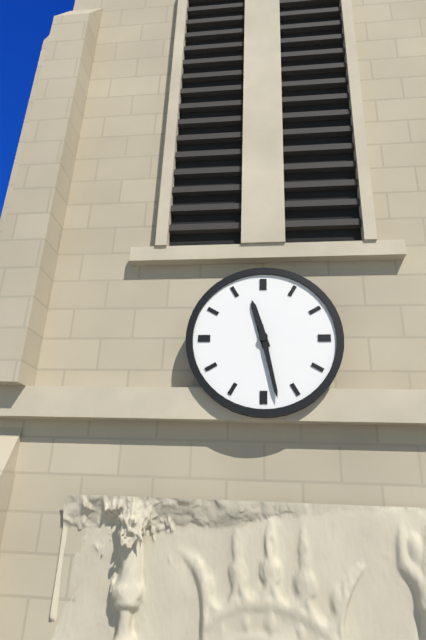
11h28
